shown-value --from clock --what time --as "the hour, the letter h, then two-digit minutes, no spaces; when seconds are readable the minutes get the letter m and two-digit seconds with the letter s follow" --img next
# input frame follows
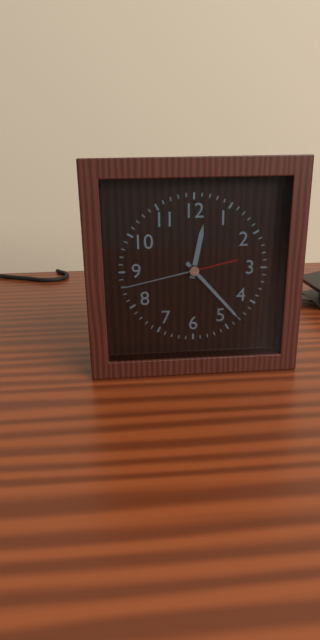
12h23m43s
